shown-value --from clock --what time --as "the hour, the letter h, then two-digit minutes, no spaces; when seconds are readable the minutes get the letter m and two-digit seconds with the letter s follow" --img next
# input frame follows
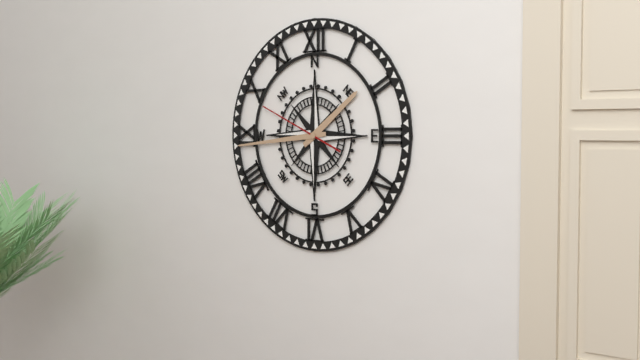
1h44m49s
